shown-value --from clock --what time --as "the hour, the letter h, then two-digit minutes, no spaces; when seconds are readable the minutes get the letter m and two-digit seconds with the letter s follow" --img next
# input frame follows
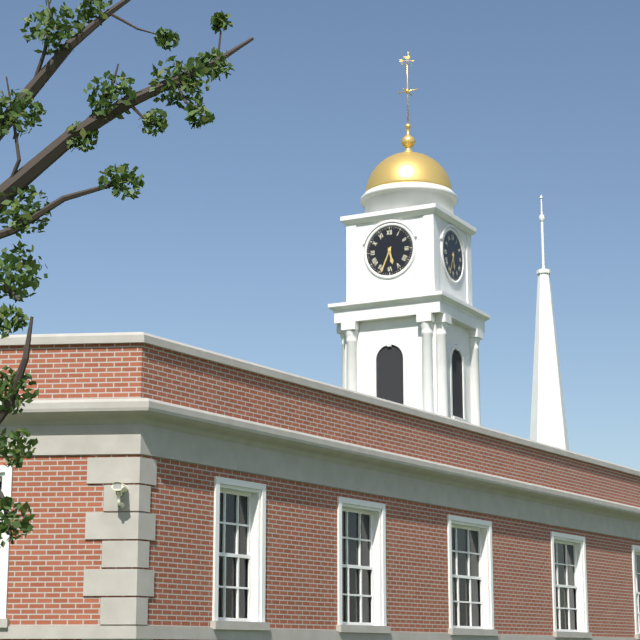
5h34
